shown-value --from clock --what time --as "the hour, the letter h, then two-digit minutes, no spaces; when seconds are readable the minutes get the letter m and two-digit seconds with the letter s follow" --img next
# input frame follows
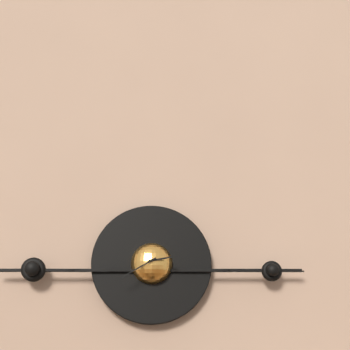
2h40
